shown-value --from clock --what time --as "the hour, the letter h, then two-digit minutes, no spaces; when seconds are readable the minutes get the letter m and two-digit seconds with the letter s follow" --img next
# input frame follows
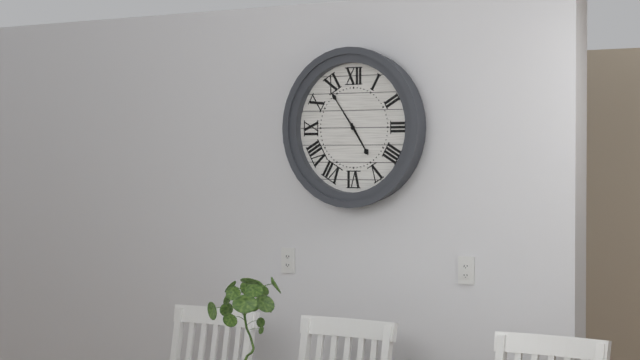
4h54
